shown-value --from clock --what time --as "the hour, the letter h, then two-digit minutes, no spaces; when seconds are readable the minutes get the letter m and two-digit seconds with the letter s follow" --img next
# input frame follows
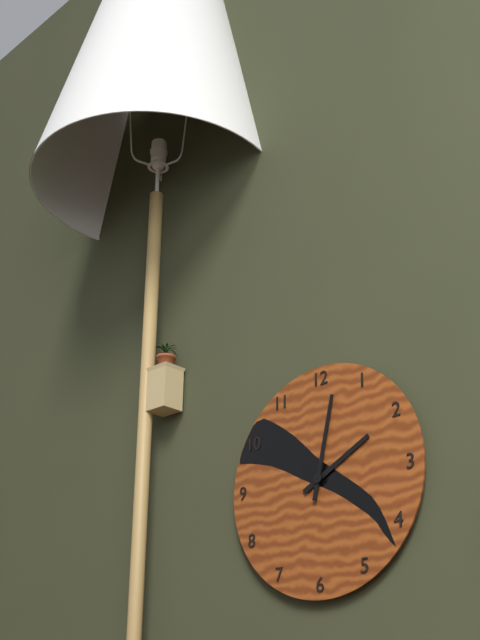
2h02
